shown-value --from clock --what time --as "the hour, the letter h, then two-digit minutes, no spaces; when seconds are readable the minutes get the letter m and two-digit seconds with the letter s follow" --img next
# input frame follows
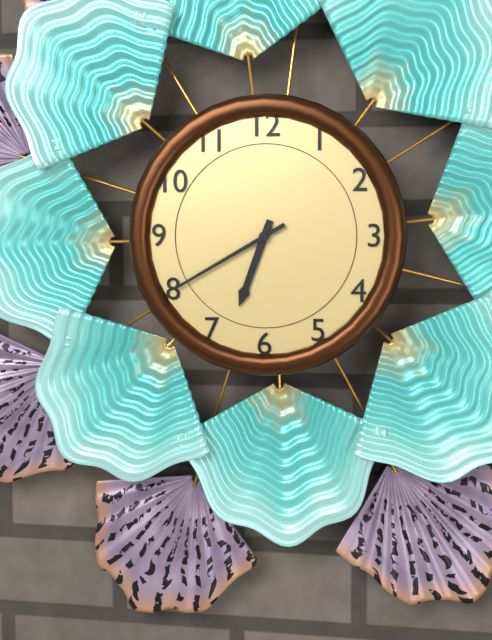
6h40
